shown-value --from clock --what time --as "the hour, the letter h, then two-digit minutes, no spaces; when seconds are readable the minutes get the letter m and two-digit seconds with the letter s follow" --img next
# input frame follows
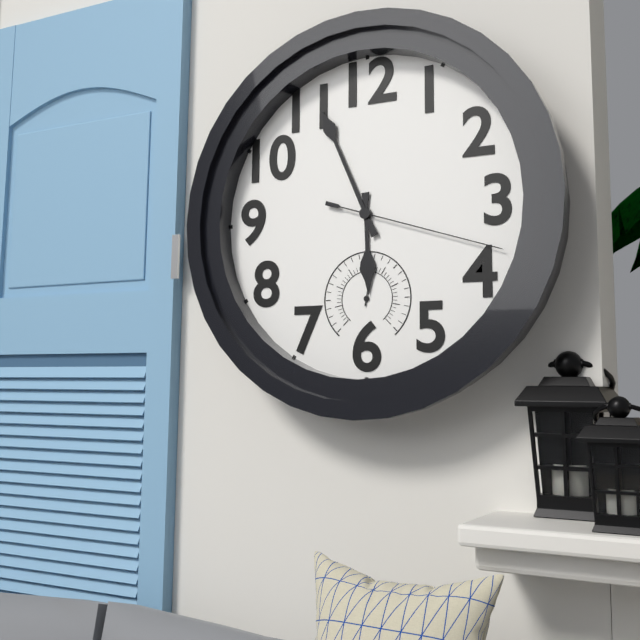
5h56m18s
